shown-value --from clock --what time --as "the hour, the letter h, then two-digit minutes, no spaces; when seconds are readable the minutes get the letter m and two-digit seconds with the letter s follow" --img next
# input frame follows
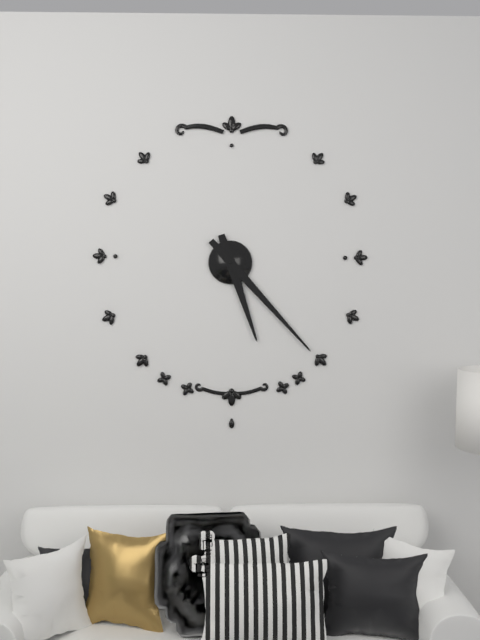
5h23
